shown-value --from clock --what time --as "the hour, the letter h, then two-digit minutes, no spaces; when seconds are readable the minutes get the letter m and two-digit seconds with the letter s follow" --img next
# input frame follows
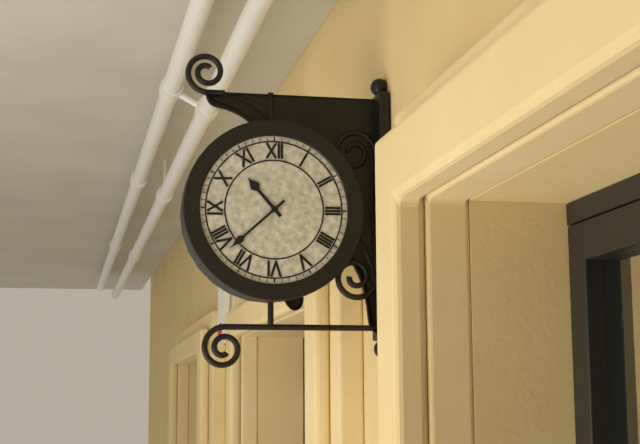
10h38
